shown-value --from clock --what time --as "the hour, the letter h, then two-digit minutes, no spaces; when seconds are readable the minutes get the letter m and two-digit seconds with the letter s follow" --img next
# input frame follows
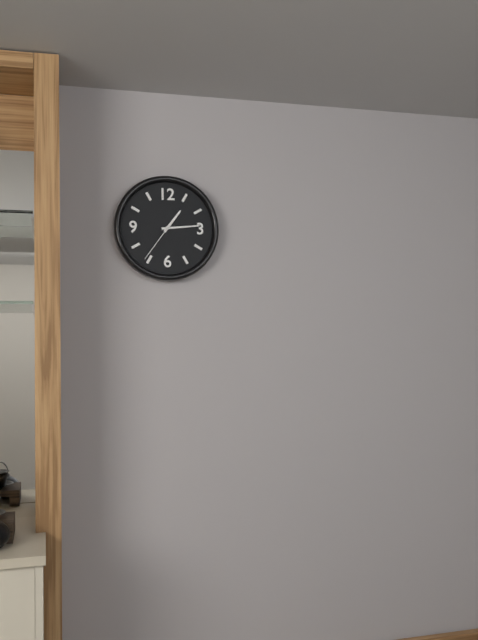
1h14
